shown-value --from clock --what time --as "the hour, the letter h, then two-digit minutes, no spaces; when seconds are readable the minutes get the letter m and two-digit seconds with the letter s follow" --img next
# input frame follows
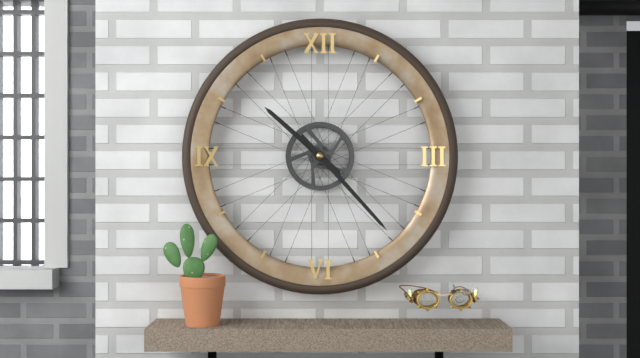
10h23
